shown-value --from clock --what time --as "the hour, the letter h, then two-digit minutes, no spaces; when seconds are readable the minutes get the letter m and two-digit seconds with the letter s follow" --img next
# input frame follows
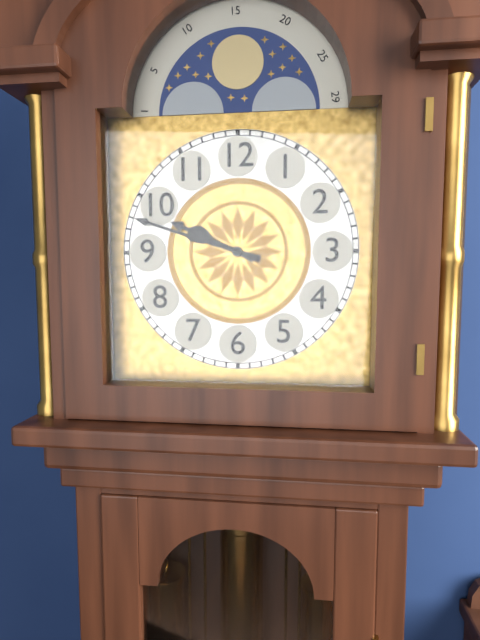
9h48
